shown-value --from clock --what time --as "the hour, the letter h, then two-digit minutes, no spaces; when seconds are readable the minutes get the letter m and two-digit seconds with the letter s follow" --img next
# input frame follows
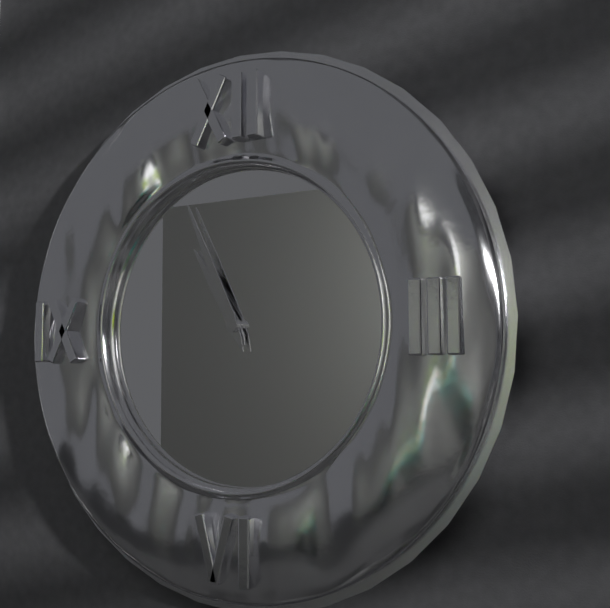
10h56
